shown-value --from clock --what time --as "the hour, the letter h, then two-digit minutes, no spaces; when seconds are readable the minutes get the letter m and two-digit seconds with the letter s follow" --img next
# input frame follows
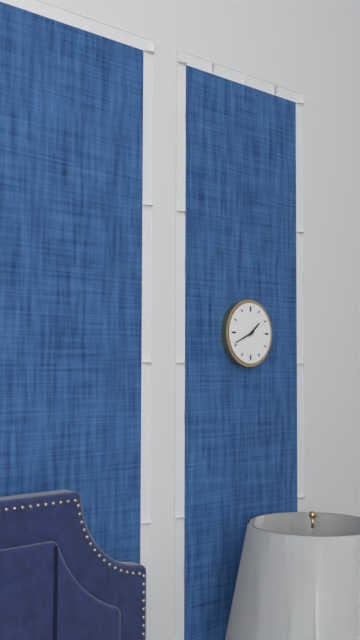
1h41
